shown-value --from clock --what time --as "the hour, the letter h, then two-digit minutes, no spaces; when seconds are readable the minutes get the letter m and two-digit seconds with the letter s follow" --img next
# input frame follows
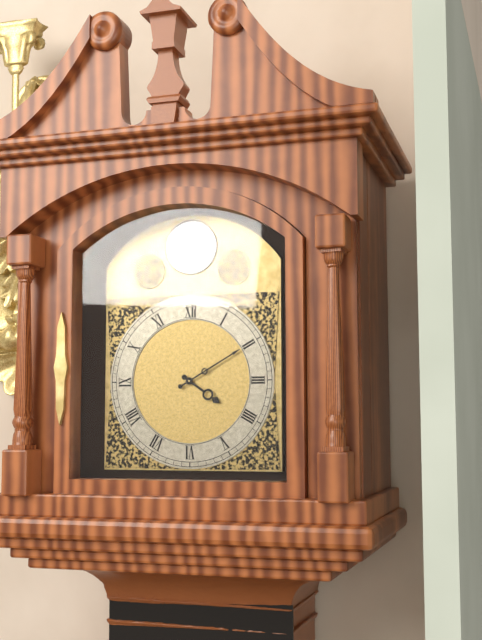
4h10
